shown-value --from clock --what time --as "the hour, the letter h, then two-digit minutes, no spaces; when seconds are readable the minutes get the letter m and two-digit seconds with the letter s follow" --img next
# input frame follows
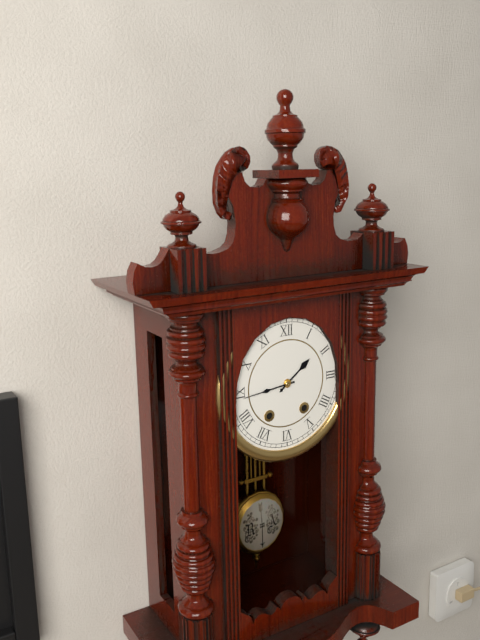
1h44
